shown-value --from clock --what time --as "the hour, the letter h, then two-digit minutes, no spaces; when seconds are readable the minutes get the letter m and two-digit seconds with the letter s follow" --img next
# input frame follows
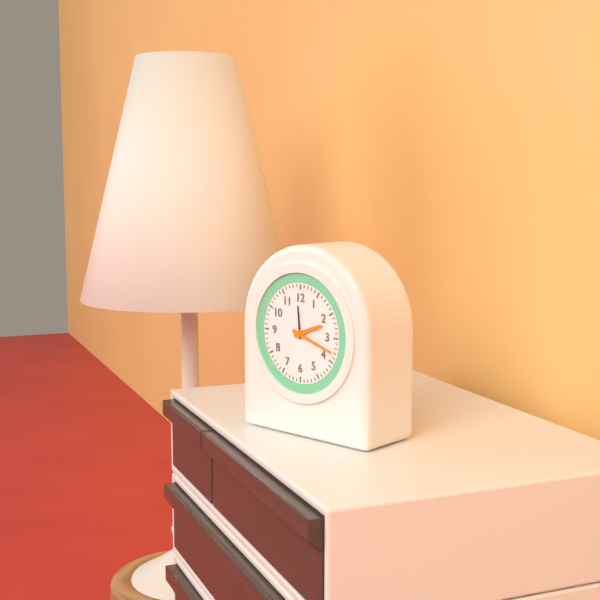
2h18
